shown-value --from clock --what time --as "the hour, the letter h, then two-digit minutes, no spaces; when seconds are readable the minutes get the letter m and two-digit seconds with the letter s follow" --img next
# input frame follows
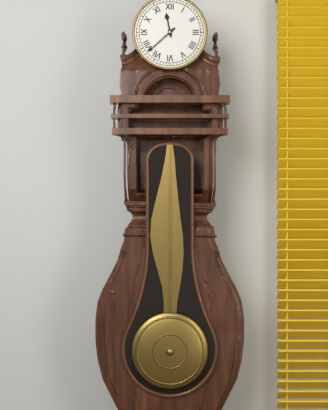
11h38
